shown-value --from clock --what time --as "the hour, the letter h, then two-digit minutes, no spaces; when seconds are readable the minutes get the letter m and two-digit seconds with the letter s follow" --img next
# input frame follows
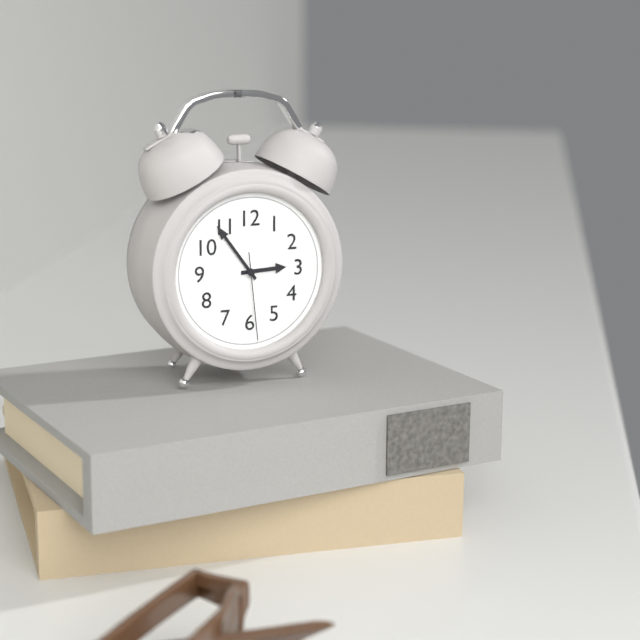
2h54m29s
